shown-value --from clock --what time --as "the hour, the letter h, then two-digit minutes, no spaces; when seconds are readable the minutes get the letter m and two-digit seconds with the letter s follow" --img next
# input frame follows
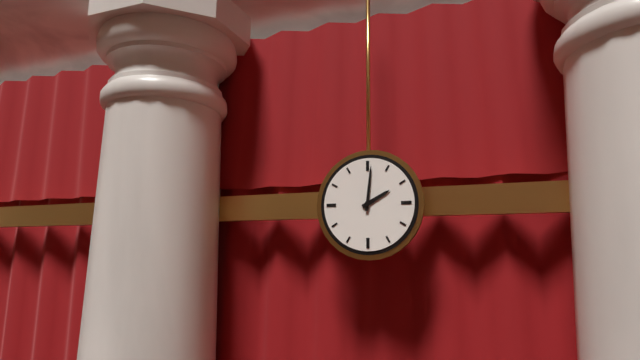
2h01
